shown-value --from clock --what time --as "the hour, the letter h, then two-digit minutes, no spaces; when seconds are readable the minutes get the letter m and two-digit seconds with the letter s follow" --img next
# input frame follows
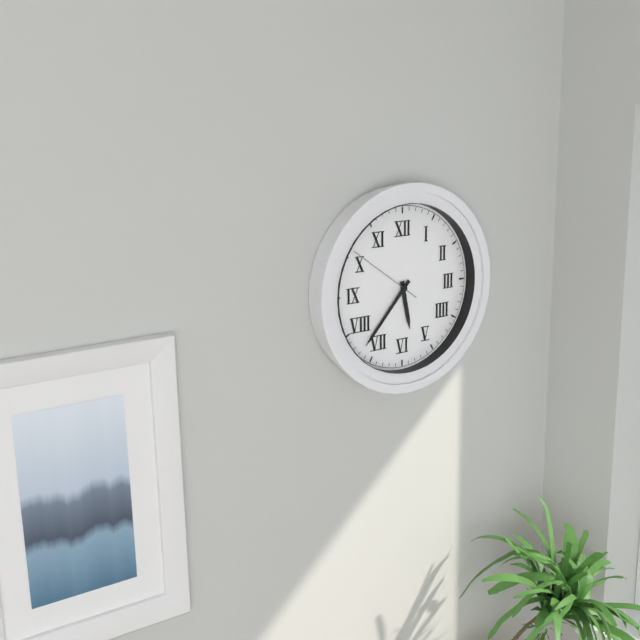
5h37m51s
